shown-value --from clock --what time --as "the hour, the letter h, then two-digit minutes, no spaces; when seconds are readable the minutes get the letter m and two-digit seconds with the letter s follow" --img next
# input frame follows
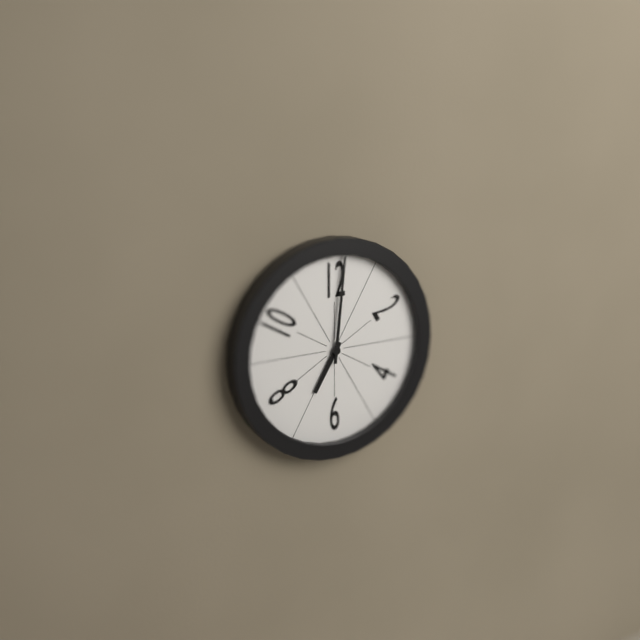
7h01
